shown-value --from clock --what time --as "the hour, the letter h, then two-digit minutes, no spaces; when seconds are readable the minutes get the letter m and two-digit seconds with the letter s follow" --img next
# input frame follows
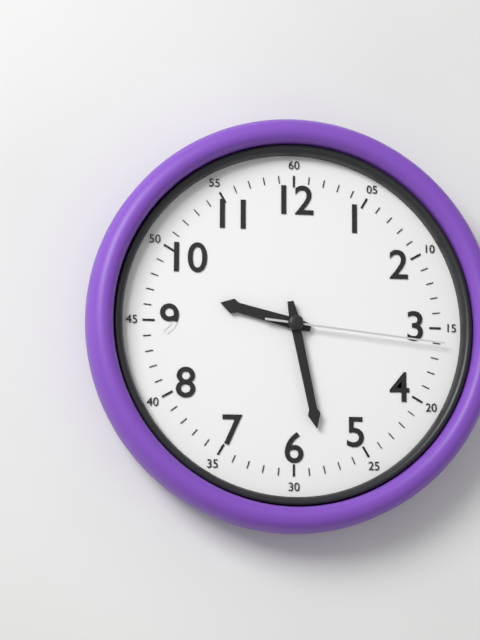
9h28m16s
